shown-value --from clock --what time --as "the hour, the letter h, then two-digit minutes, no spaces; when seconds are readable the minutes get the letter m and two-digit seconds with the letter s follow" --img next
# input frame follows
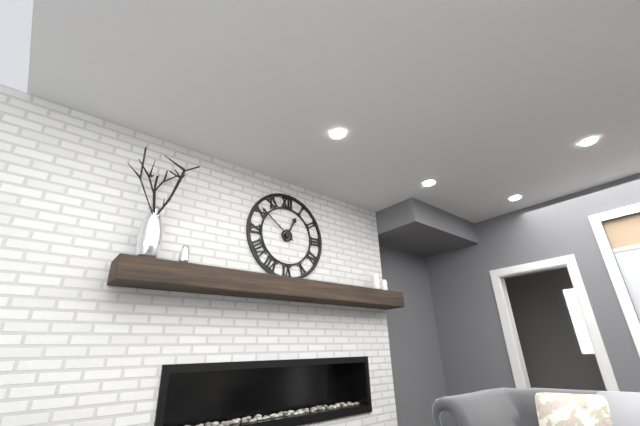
12h51
